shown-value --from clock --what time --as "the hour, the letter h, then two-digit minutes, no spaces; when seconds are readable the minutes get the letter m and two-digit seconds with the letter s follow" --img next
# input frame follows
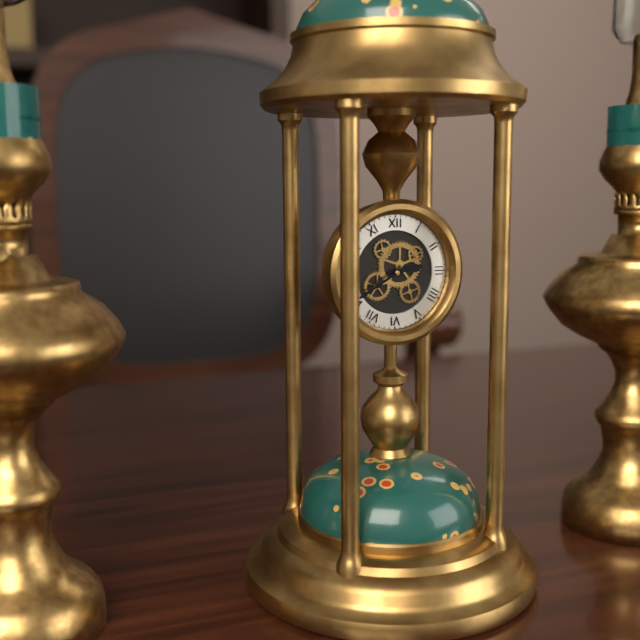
2h40
